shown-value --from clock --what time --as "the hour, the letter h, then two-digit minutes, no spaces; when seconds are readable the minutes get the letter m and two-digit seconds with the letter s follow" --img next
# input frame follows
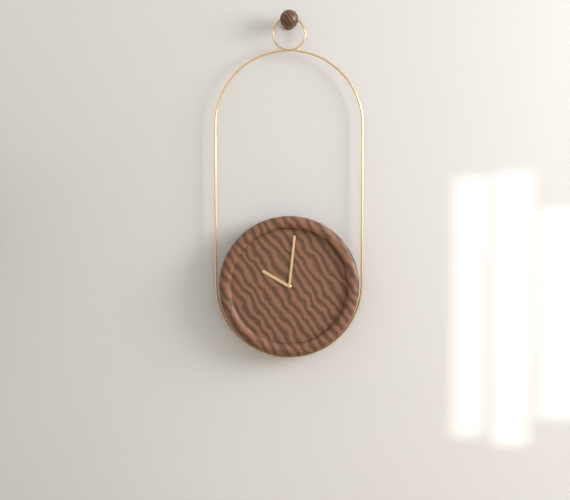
10h01
